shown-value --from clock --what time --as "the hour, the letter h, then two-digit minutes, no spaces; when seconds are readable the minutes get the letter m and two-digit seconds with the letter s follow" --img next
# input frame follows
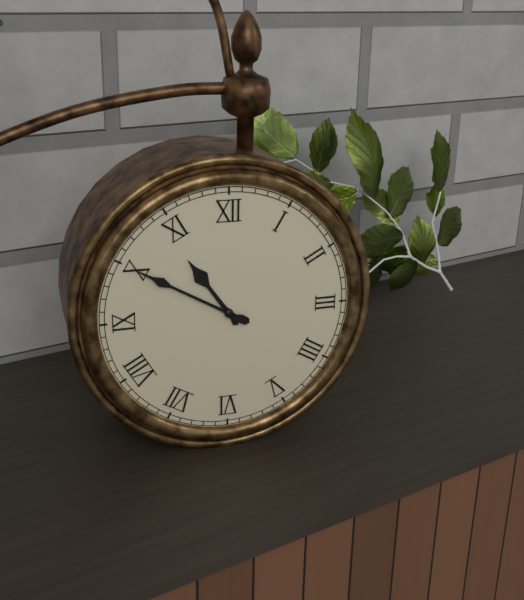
10h50
